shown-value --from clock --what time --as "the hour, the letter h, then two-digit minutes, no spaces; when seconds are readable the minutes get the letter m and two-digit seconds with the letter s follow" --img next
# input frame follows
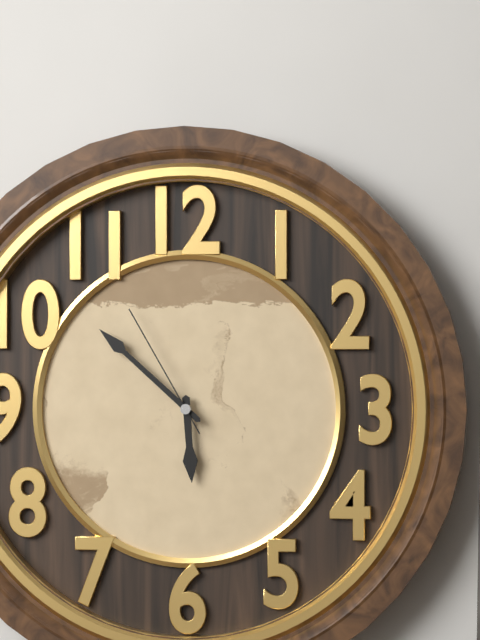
5h52m55s
